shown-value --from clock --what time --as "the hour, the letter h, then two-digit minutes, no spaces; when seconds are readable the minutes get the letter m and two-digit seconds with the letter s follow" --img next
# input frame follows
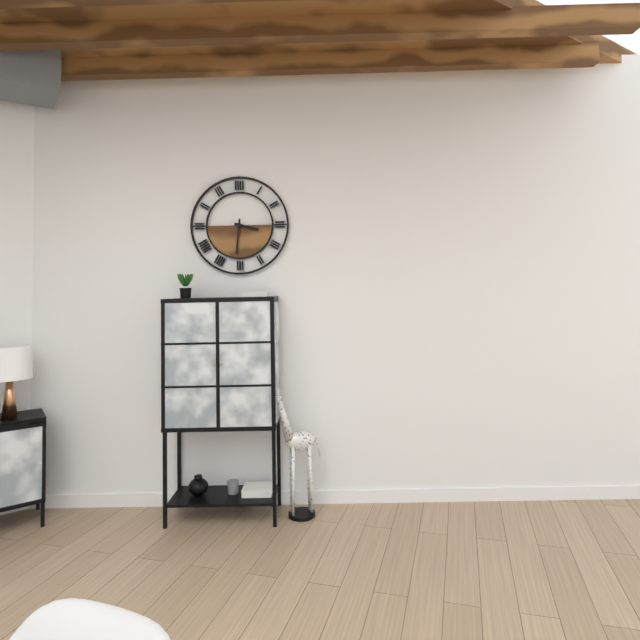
3h31
